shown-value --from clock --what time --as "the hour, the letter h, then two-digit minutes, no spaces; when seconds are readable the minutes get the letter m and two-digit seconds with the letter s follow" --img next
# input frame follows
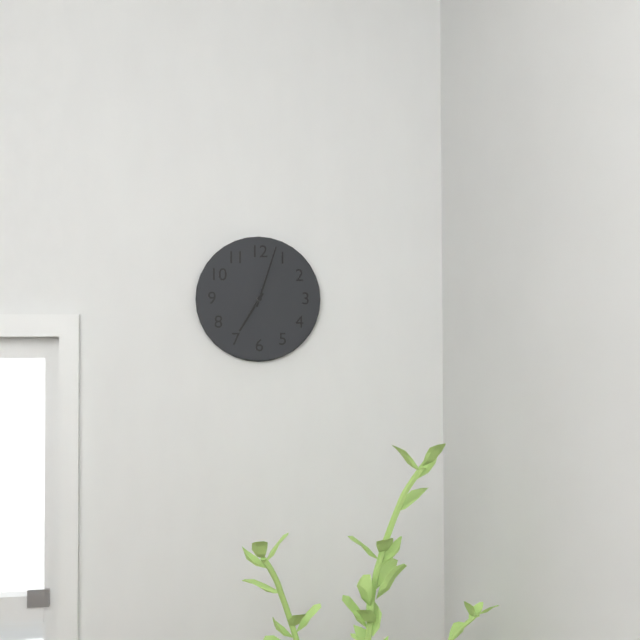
7h03
